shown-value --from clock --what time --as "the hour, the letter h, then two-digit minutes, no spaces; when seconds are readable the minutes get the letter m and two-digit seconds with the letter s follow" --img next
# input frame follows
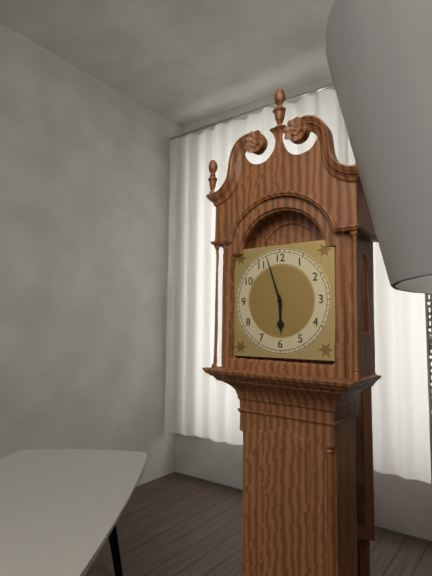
5h57
